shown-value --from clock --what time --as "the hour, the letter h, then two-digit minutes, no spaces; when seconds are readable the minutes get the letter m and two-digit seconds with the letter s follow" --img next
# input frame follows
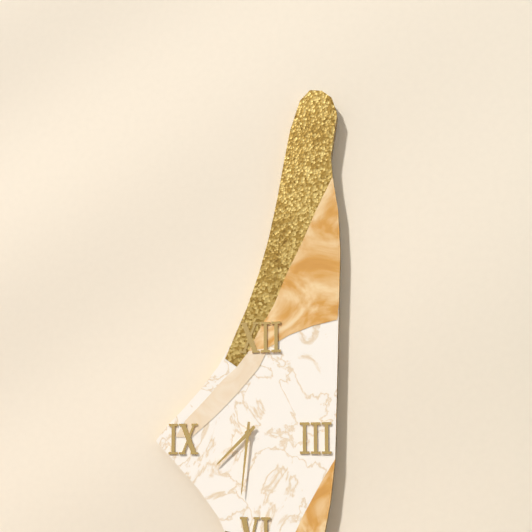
7h31
